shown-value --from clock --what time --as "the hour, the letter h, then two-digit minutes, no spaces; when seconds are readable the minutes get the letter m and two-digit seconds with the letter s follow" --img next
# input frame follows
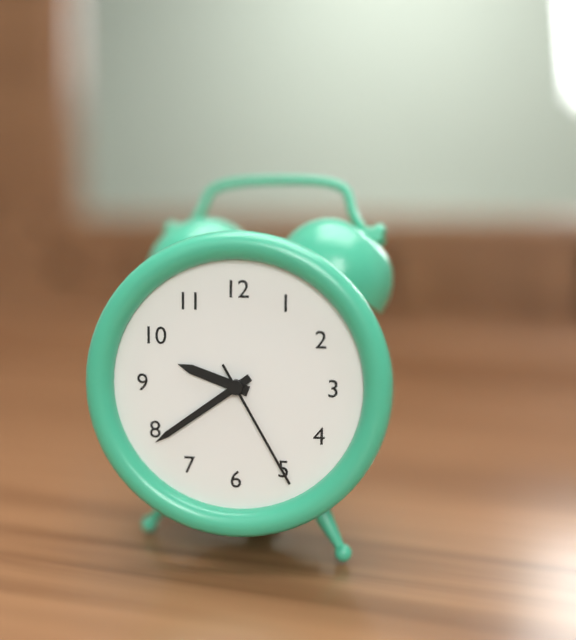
9h39m25s
